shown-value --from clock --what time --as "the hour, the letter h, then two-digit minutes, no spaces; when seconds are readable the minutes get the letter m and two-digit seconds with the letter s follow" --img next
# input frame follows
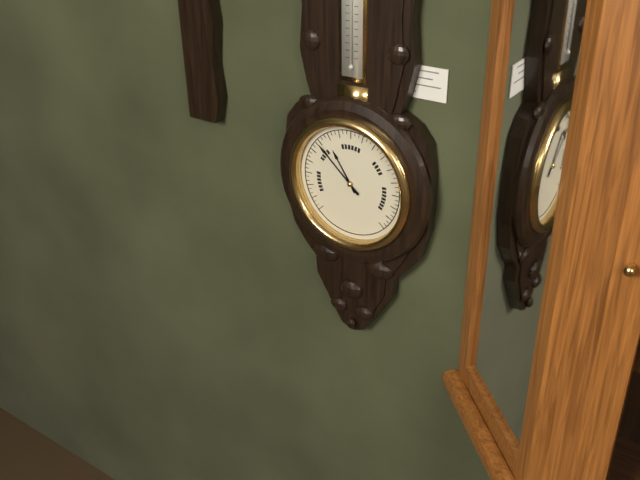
10h52
